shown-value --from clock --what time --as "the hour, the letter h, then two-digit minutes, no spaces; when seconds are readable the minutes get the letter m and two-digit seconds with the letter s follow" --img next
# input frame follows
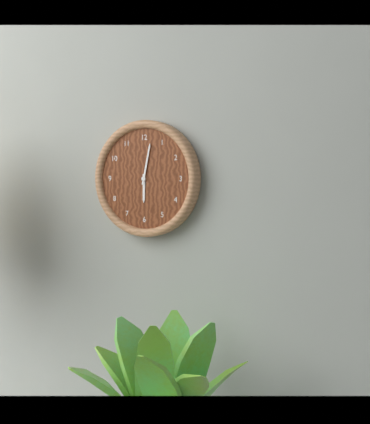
6h02
